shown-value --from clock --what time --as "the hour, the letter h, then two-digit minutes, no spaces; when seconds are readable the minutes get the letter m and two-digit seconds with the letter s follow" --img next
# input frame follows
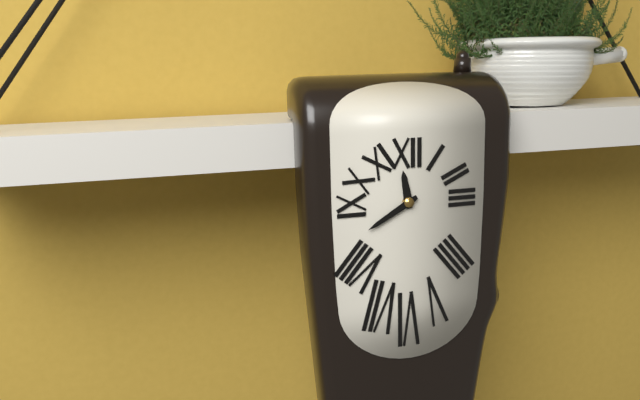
11h40
